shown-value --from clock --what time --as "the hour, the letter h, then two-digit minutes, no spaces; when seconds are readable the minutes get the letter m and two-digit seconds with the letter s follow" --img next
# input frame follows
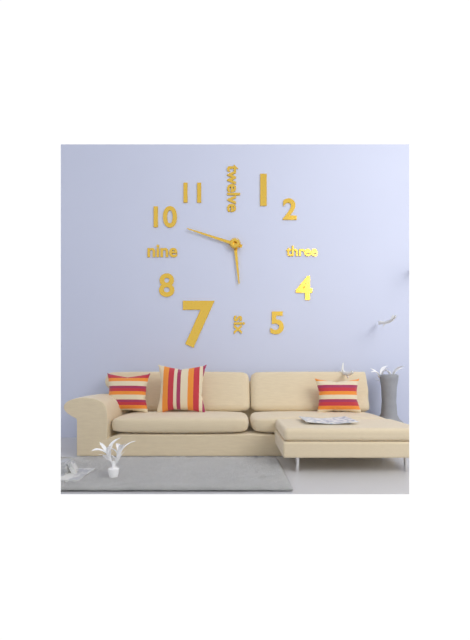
5h48
